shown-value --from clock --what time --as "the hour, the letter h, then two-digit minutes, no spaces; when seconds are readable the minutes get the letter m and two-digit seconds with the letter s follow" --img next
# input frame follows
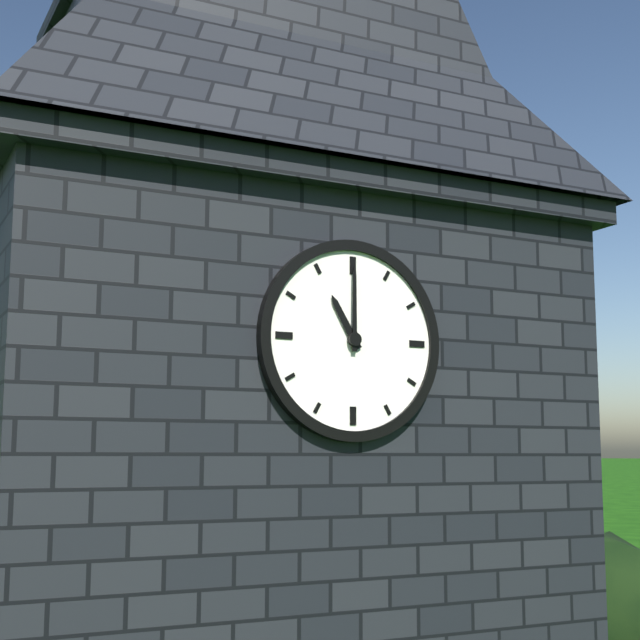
11h00
